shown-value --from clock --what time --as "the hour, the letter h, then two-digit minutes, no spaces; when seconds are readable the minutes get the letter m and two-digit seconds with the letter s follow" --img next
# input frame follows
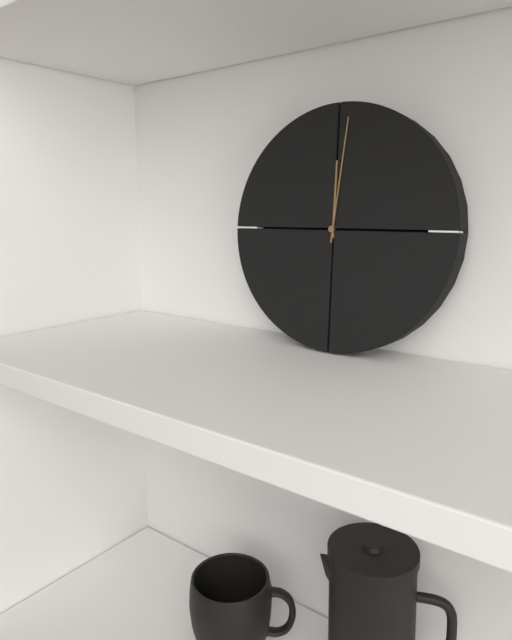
12h01
